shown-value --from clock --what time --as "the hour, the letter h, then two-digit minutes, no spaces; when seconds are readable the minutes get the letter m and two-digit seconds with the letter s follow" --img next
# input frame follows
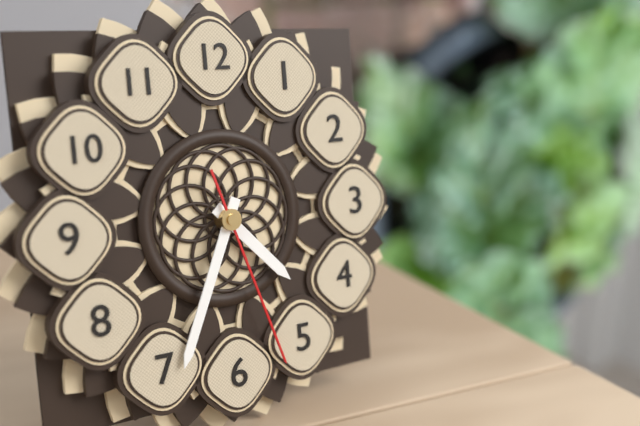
4h34m27s
